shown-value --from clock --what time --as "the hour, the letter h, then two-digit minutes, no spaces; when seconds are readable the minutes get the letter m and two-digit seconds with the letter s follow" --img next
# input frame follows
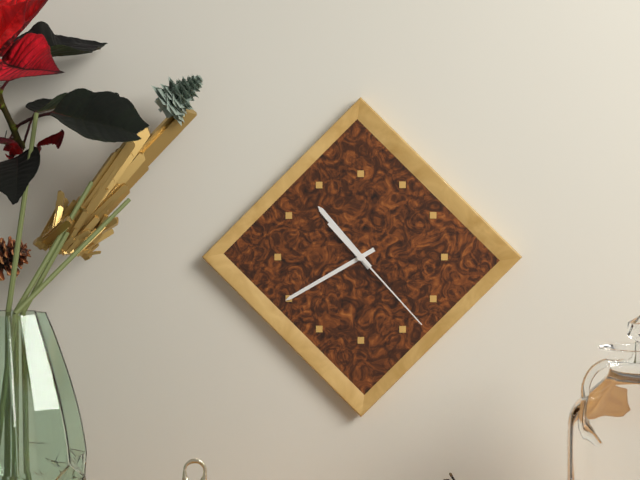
10h40m23s
